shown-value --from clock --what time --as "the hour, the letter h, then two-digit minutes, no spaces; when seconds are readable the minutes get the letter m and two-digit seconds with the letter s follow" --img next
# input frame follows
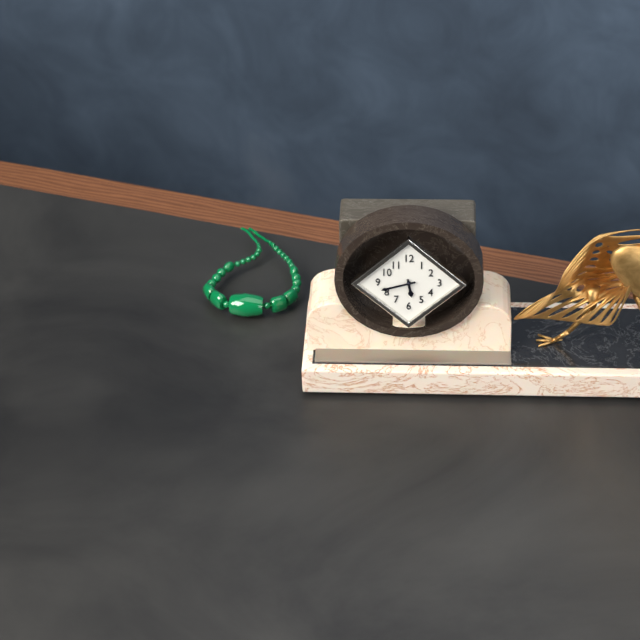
5h42
